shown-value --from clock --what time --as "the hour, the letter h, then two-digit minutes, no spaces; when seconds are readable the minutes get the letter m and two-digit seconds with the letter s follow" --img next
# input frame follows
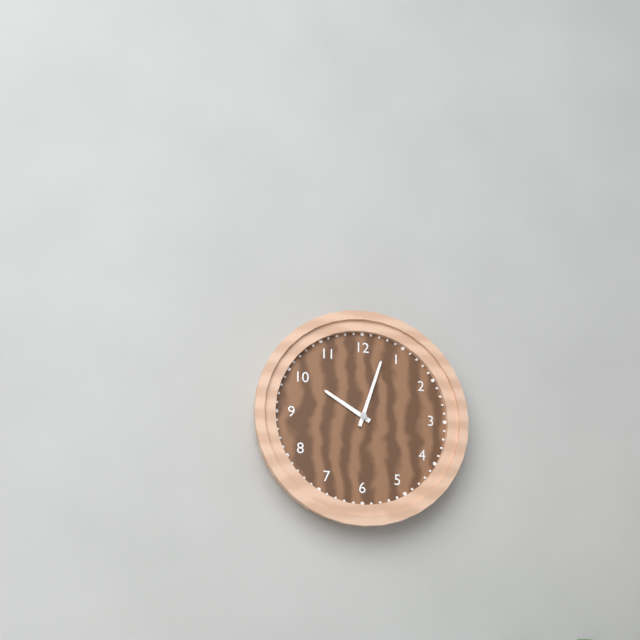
10h03
